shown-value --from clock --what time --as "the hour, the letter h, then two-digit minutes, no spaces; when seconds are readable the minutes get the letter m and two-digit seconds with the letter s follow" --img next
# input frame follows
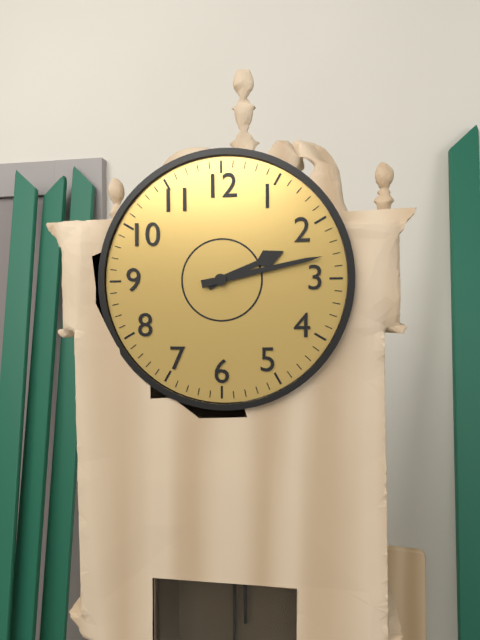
2h13
